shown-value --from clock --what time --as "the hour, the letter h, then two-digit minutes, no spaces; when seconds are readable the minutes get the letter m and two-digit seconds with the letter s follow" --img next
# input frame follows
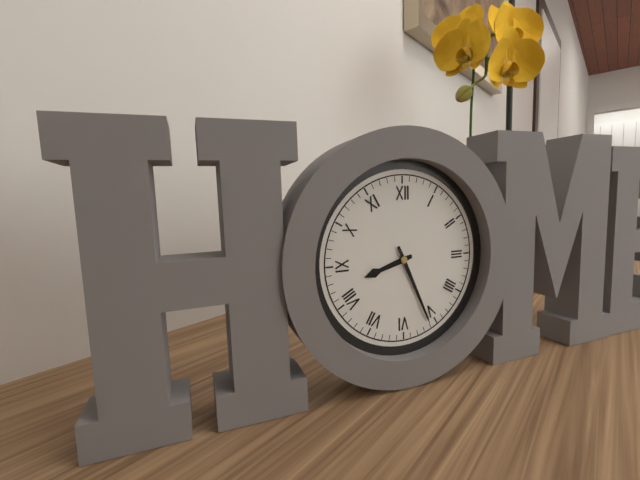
8h26
